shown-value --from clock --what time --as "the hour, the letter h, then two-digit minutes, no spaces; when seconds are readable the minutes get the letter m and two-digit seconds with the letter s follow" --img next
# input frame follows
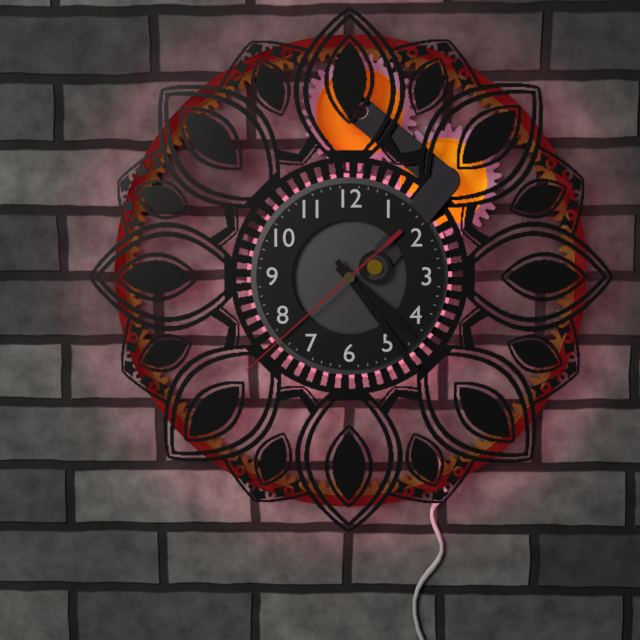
4h24m38s
